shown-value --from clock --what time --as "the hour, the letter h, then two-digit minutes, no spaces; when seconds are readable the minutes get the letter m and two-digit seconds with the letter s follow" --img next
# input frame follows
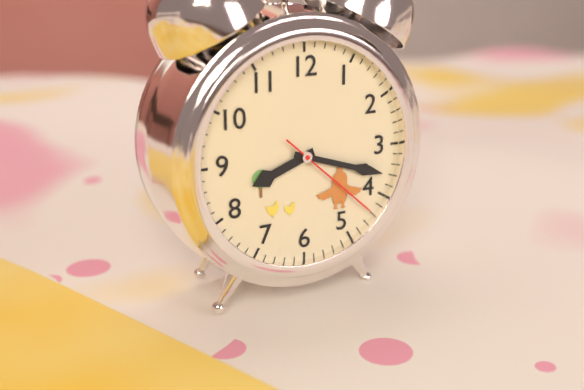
8h18m22s
